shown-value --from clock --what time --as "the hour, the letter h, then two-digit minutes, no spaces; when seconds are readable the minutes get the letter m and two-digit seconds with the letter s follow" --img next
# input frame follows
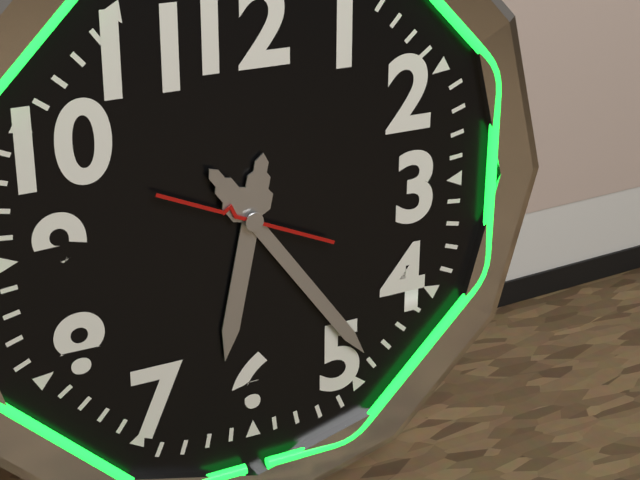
6h24m49s
